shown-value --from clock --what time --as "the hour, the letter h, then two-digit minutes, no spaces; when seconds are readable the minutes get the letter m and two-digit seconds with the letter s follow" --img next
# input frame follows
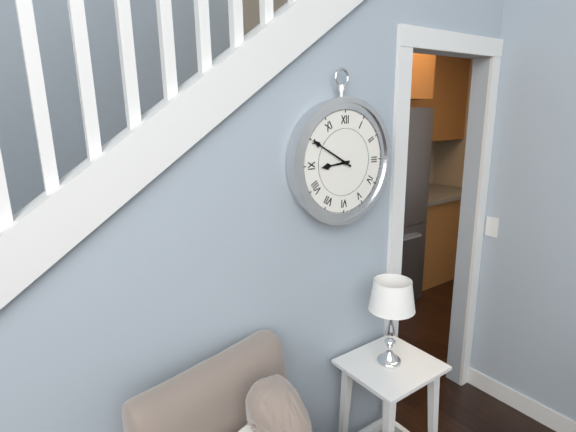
8h50
